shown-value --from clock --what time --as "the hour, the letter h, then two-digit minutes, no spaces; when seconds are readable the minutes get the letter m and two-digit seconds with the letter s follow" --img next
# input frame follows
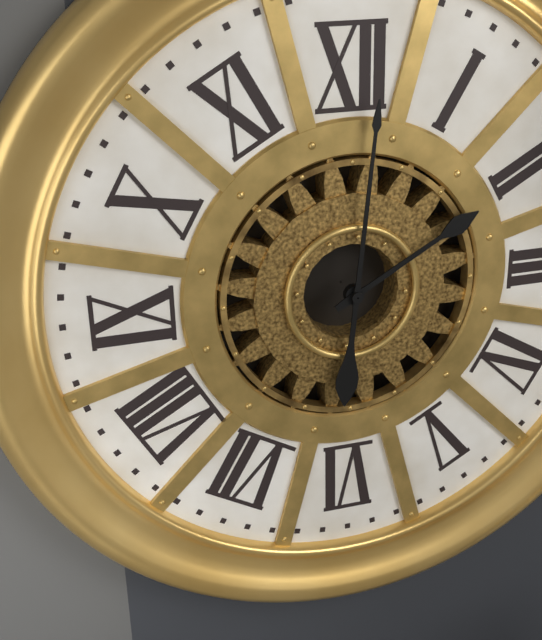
2h01
